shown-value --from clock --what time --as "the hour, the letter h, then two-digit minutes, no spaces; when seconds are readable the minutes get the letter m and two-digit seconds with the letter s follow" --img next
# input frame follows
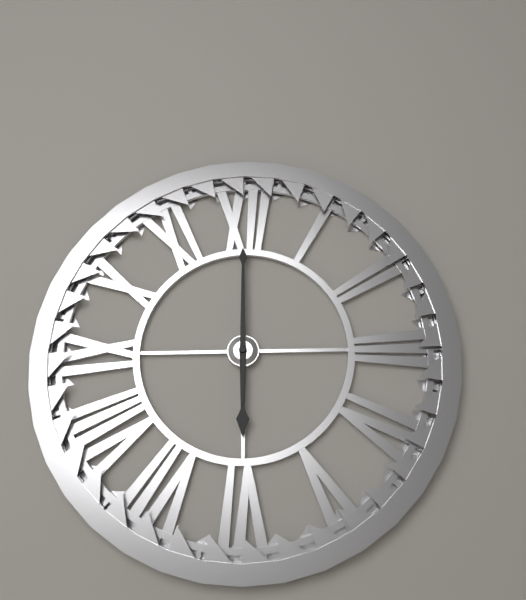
6h00
